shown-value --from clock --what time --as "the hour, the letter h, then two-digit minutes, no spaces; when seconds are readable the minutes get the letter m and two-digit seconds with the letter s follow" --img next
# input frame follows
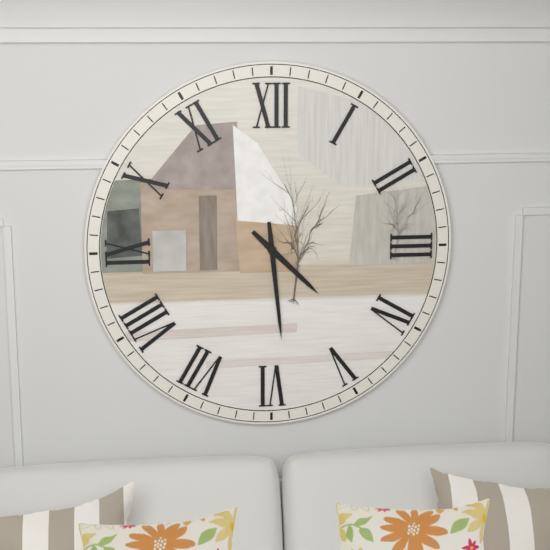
4h29
